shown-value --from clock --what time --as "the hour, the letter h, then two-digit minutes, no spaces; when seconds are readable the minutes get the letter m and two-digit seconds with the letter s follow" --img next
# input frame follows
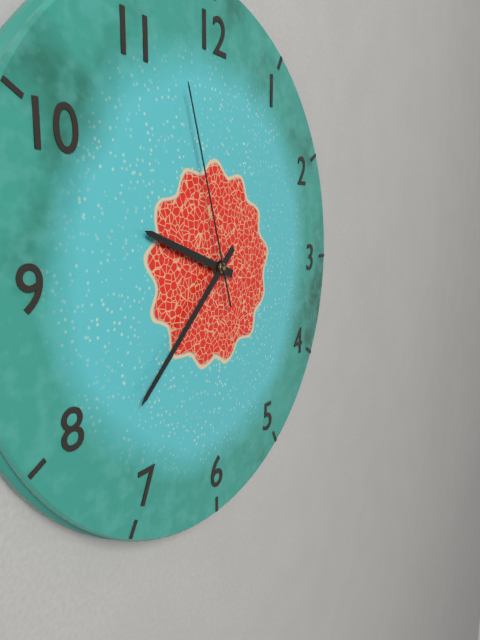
9h38m57s
